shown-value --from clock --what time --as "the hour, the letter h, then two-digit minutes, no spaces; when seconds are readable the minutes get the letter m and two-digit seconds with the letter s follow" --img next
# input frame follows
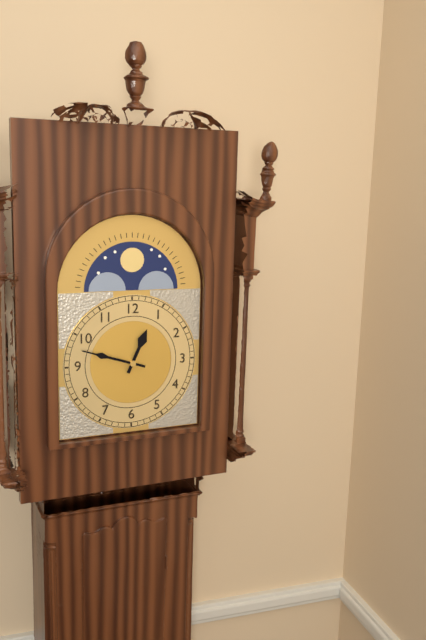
12h48
